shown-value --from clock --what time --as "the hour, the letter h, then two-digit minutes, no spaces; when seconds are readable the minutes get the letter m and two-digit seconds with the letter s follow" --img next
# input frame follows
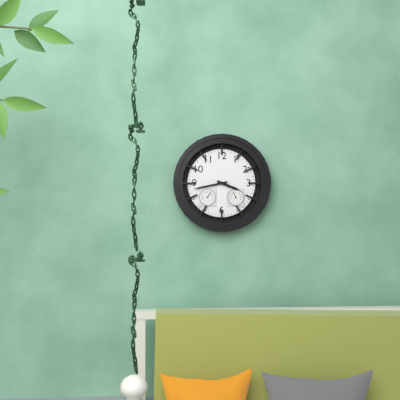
3h43
